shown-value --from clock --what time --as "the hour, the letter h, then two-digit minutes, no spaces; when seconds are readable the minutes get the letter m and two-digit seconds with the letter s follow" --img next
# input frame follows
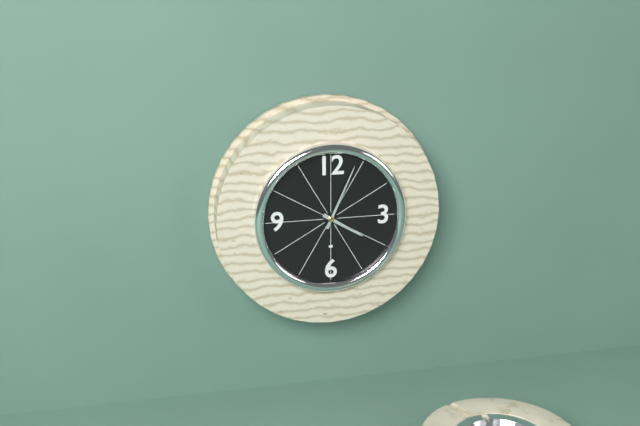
4h04
